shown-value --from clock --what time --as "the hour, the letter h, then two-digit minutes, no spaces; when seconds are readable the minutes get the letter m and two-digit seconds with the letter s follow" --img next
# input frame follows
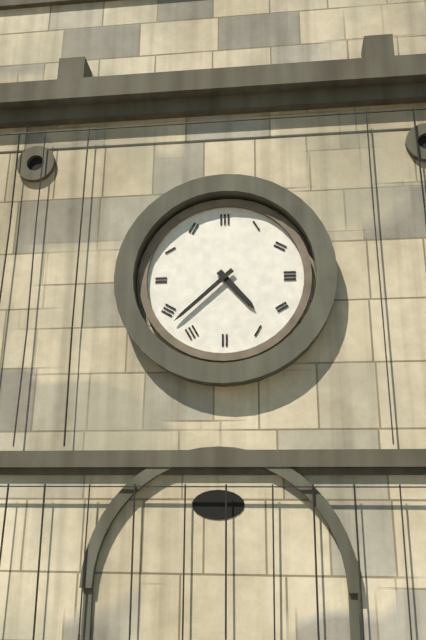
4h38
